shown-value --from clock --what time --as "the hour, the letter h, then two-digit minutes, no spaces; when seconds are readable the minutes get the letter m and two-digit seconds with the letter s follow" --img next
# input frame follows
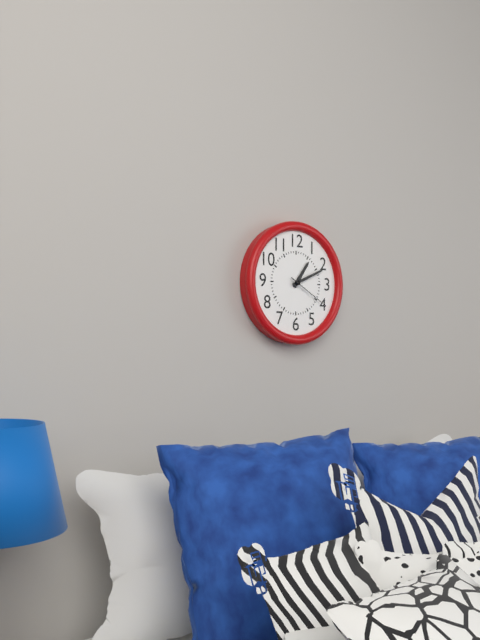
1h11
